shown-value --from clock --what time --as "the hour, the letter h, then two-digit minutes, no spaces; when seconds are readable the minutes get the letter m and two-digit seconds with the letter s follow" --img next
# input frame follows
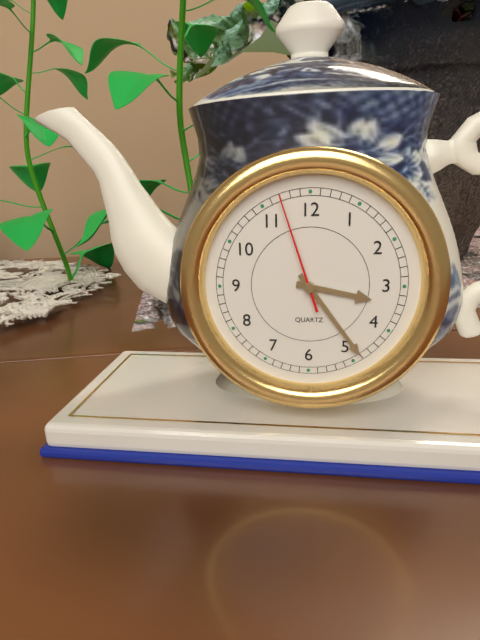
3h24m57s
